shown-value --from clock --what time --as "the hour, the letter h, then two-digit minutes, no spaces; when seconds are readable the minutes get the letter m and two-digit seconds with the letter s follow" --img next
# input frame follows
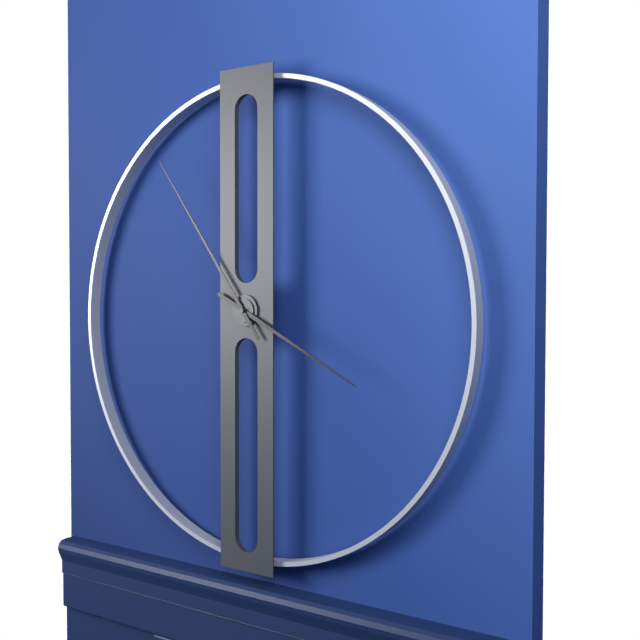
3h54
